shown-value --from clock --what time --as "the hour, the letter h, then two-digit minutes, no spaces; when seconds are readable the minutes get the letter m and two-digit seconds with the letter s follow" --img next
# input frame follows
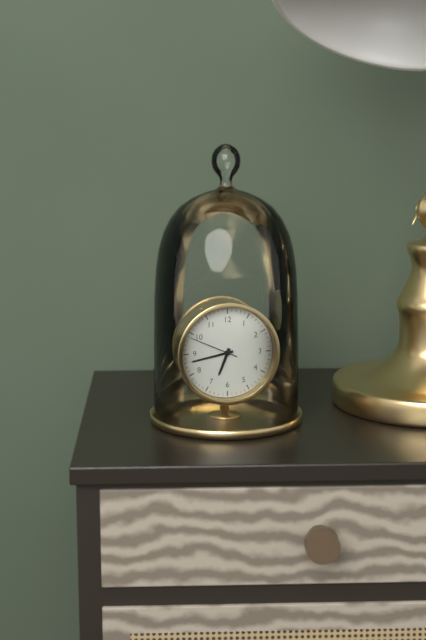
6h43
